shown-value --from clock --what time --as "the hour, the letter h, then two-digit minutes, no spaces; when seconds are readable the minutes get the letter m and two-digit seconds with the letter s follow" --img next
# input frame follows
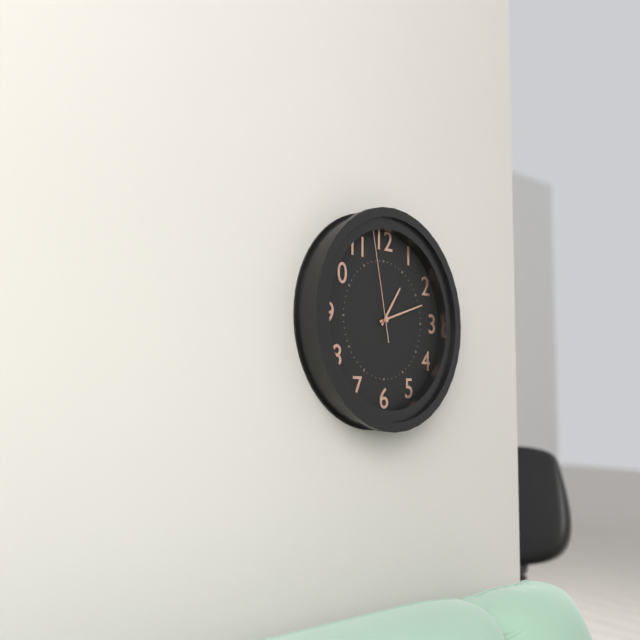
1h12m58s
